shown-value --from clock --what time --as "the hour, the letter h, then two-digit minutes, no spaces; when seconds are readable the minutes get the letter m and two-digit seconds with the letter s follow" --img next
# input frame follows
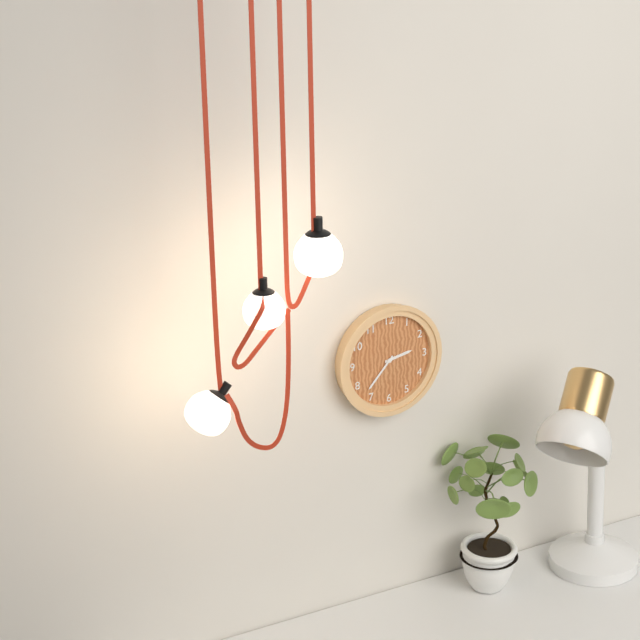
2h37
